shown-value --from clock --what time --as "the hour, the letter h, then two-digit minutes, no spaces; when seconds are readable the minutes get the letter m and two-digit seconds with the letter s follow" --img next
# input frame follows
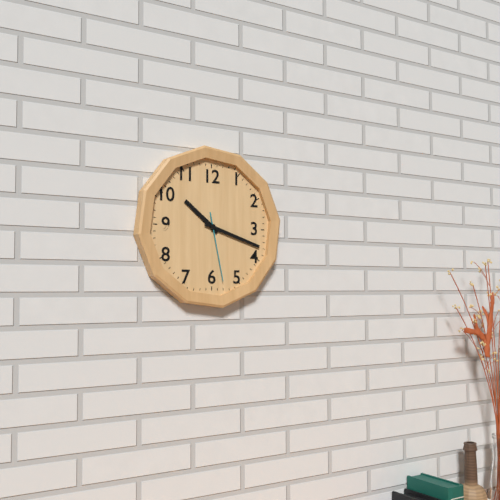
10h18m28s
